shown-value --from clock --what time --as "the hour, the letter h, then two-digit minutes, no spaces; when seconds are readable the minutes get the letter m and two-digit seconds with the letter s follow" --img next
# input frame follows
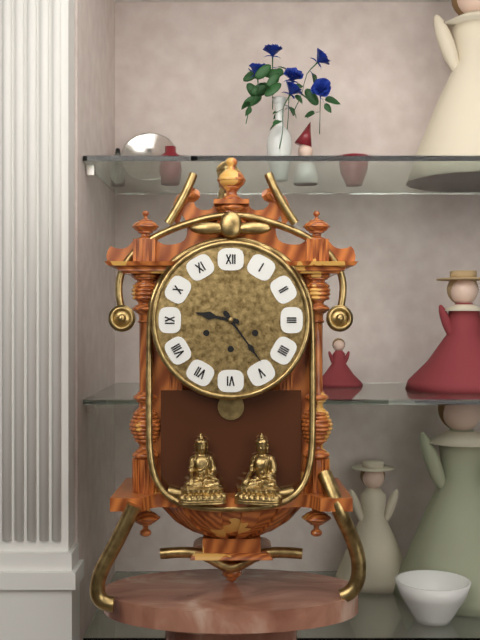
9h24
